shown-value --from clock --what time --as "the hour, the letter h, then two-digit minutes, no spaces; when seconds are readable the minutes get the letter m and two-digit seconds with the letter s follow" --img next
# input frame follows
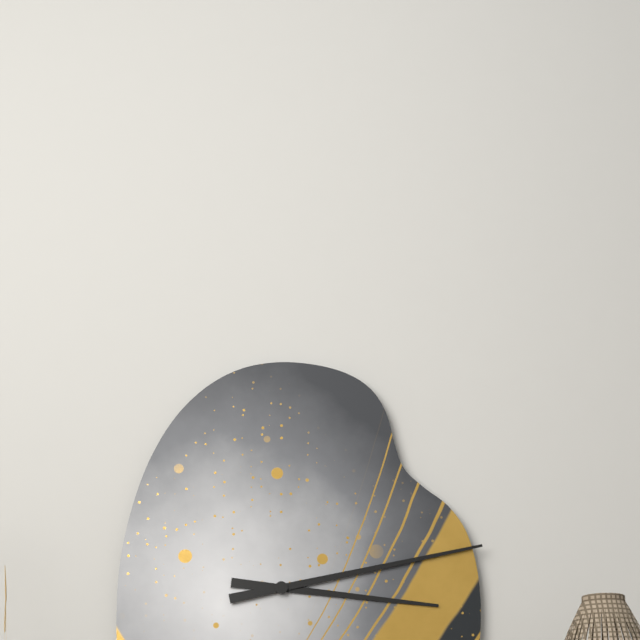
3h13
